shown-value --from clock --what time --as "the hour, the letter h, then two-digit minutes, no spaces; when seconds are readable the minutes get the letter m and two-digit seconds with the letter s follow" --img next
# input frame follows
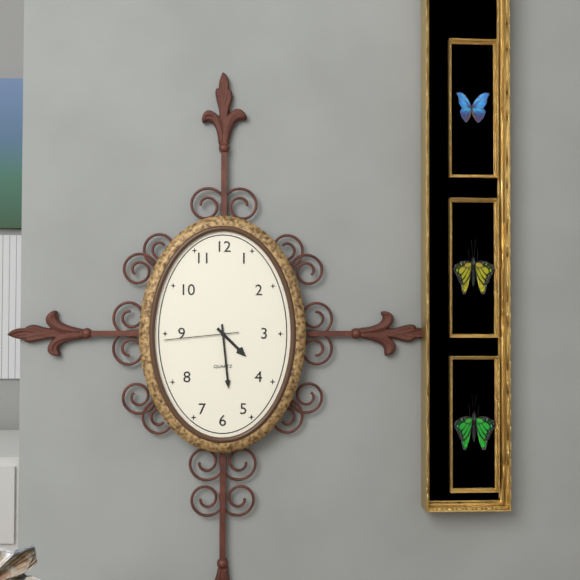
4h29m44s
